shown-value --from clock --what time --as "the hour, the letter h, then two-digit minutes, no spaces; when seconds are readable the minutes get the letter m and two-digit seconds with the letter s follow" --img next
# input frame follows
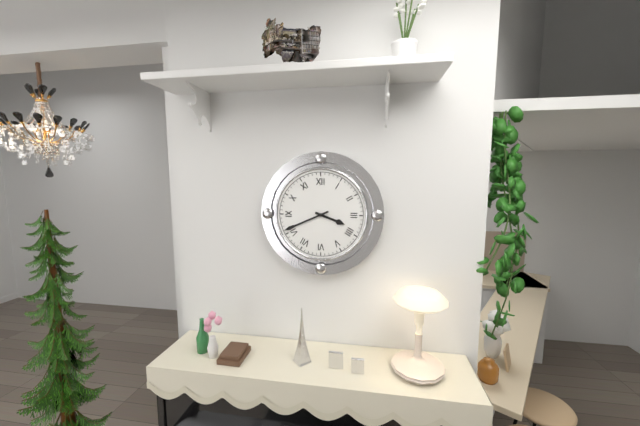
3h41
